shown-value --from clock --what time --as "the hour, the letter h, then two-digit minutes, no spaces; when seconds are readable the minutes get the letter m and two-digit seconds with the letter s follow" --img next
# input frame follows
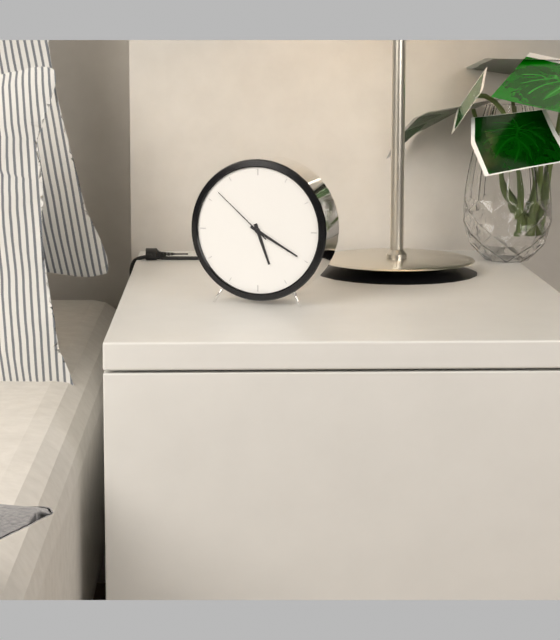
5h20m52s
